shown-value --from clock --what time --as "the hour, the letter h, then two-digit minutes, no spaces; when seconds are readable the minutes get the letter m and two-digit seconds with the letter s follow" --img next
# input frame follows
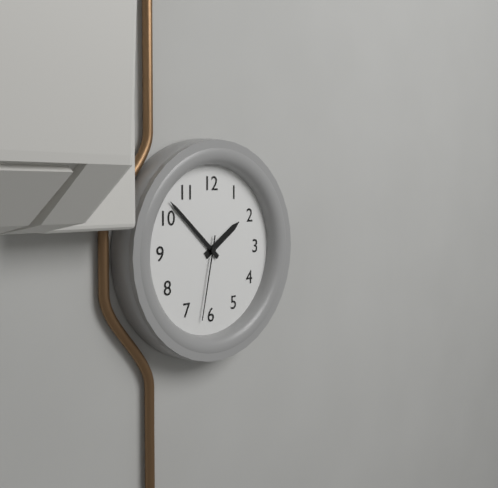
1h52m32s
